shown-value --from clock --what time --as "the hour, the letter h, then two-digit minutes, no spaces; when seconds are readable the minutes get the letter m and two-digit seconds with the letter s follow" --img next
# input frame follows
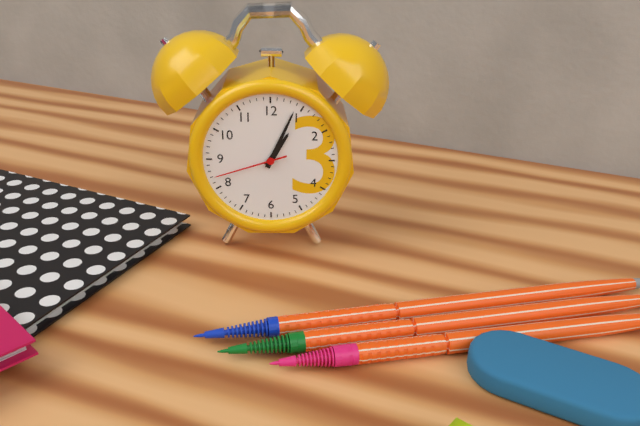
1h04m42s
